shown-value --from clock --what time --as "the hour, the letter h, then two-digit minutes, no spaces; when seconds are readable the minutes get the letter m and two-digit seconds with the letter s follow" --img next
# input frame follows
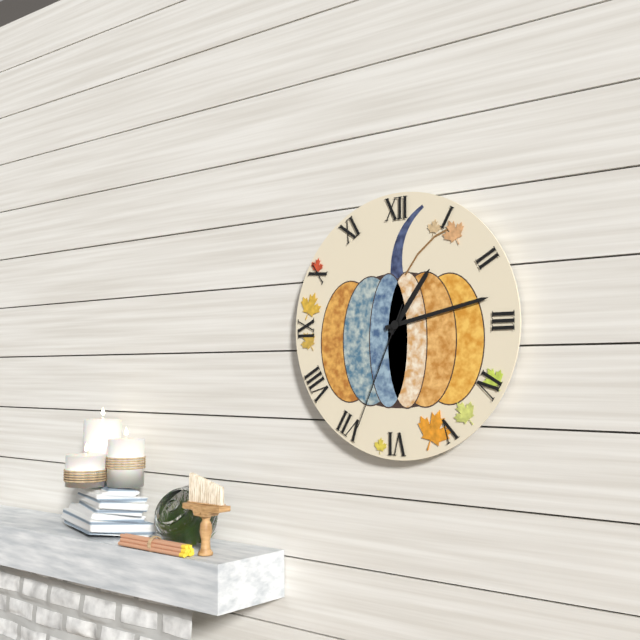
1h13m34s
